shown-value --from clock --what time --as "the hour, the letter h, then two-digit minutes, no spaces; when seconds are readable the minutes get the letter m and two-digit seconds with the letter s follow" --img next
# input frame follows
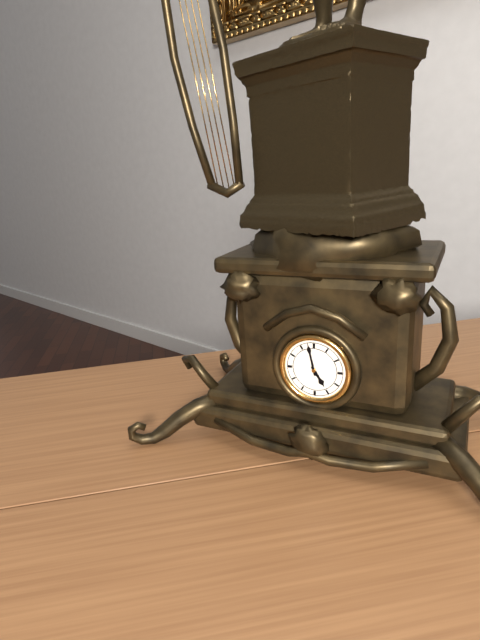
4h58
